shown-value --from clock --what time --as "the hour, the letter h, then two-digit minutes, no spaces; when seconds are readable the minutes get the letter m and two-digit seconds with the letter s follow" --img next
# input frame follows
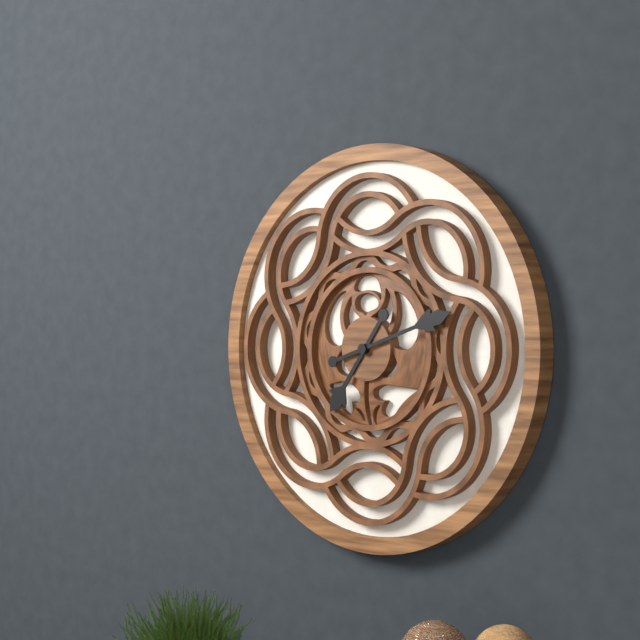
7h12
